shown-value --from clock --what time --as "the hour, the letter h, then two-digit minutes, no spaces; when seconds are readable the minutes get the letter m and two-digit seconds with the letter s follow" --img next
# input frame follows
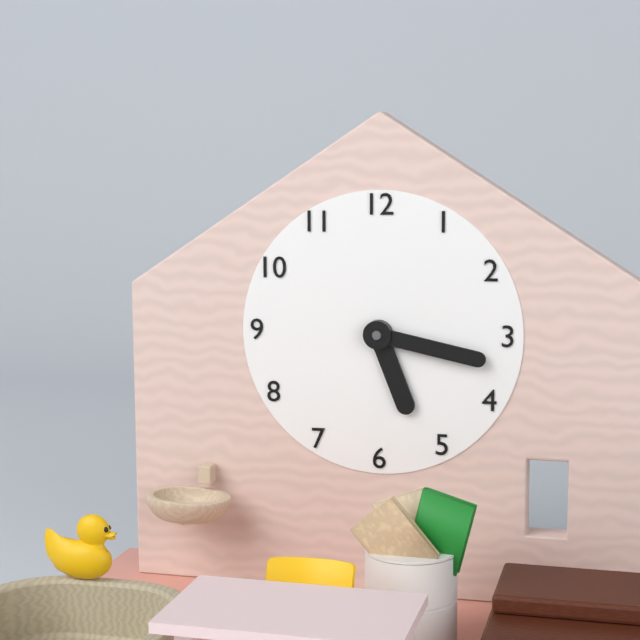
5h17
